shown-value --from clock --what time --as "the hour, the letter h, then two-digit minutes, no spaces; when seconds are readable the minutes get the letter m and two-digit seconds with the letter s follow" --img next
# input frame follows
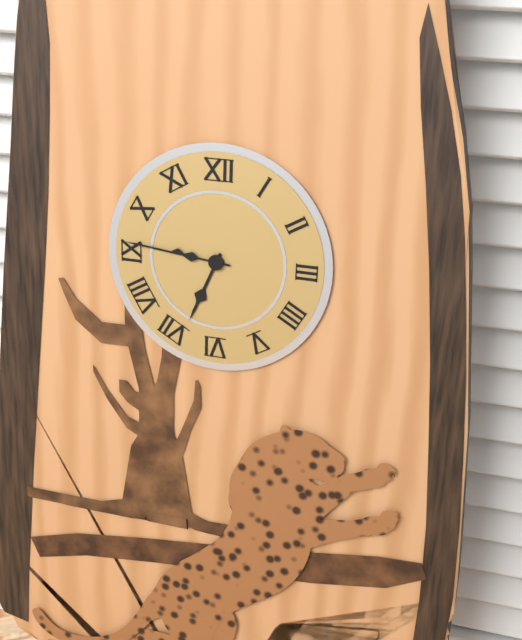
6h46
